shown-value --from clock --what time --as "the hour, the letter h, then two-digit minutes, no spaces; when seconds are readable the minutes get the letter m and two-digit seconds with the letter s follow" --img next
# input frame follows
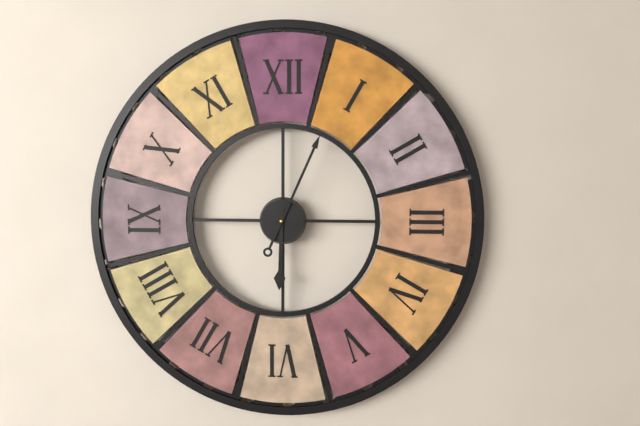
6h04
